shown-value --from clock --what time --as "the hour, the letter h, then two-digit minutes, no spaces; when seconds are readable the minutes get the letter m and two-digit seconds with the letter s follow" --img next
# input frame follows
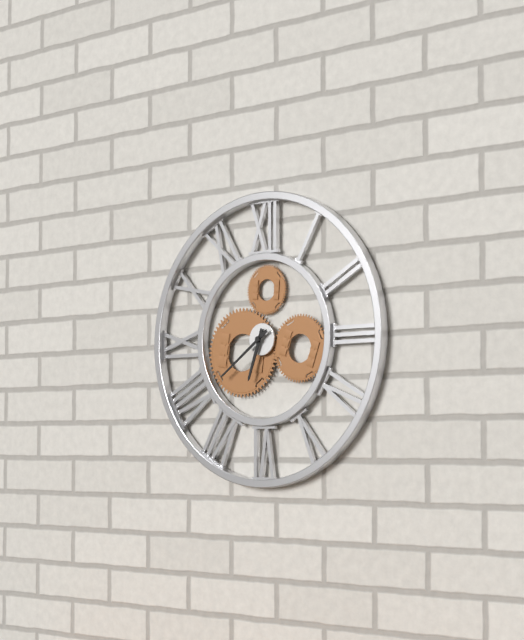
6h39
